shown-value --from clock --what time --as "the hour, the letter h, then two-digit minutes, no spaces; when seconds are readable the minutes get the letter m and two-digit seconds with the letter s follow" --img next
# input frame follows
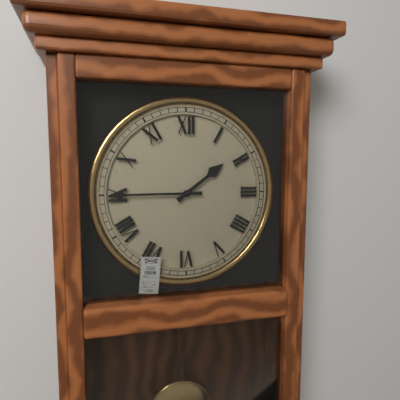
1h45
